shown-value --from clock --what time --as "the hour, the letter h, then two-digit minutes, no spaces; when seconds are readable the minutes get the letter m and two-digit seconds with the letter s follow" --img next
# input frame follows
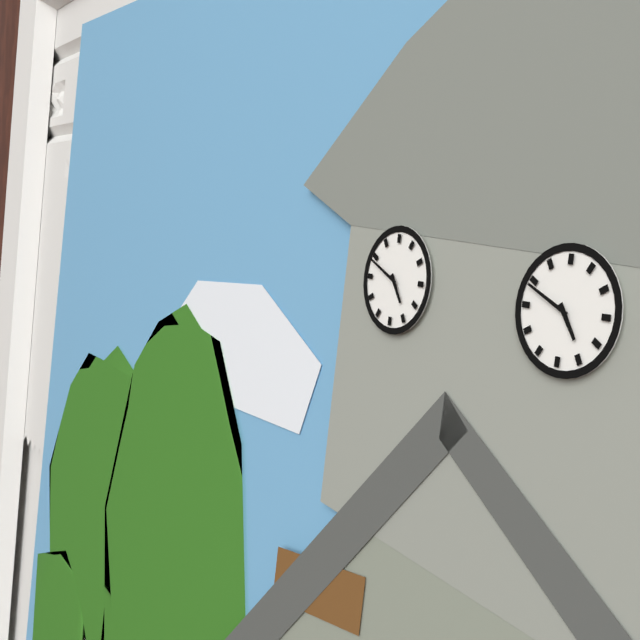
4h49
